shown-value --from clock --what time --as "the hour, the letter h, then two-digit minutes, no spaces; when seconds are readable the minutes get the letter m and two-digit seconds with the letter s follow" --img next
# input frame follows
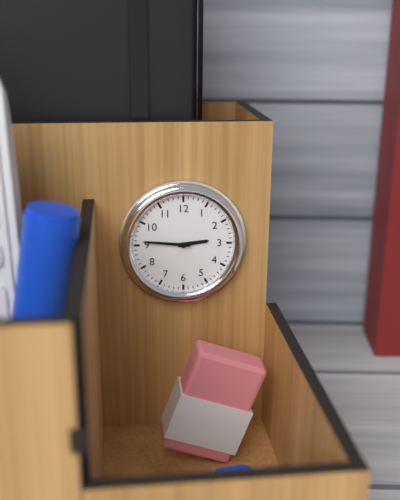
2h46
